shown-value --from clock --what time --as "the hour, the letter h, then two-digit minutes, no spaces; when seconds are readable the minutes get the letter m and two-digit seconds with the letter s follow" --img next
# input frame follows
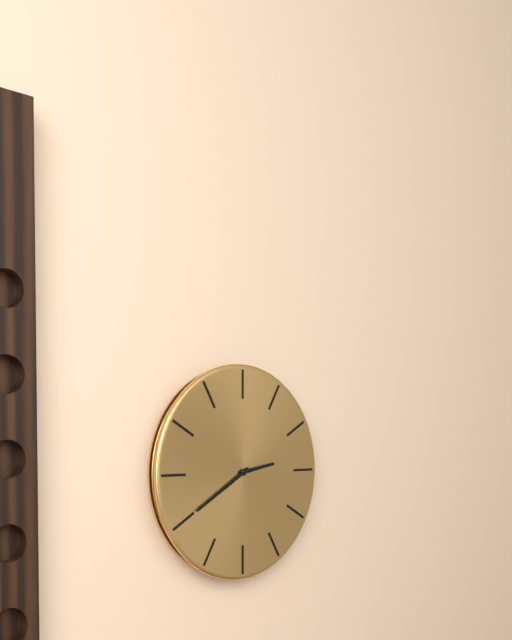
2h40
